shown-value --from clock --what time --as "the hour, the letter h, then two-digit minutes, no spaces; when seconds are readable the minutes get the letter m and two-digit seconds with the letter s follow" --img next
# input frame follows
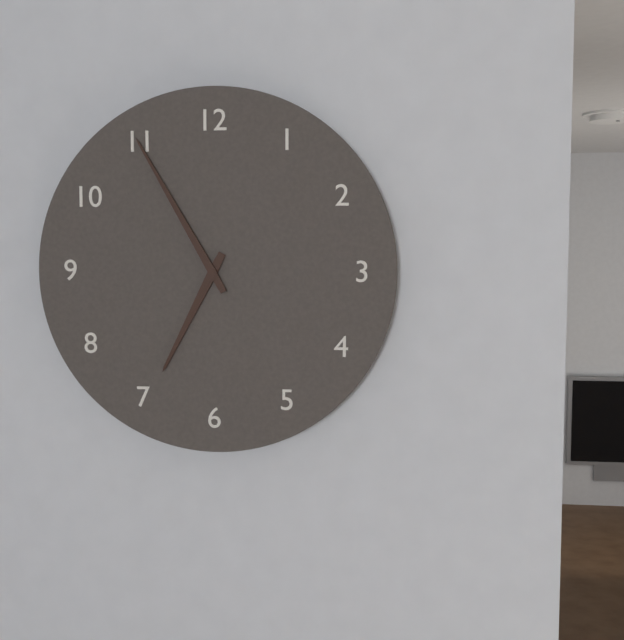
6h55
